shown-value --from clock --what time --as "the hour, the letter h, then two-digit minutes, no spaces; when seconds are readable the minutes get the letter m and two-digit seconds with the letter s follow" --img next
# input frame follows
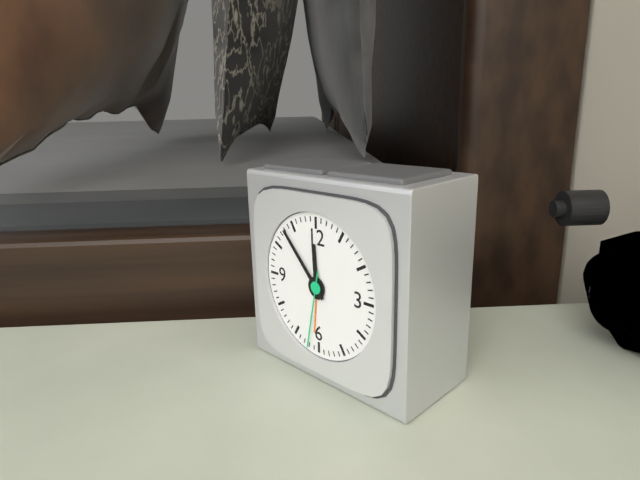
11h53m32s
